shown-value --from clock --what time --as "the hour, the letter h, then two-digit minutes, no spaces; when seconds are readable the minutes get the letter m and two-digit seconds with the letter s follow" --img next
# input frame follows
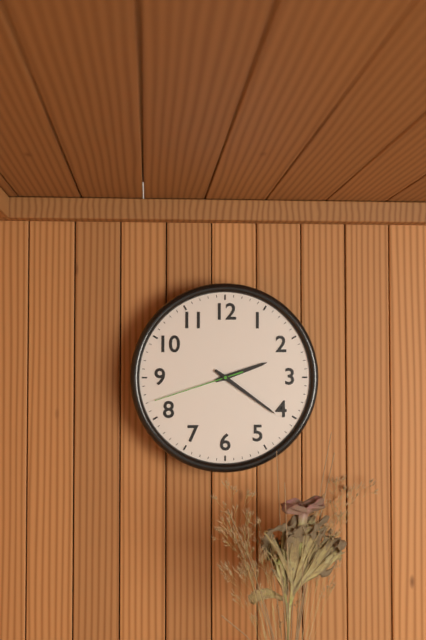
2h21m42s
